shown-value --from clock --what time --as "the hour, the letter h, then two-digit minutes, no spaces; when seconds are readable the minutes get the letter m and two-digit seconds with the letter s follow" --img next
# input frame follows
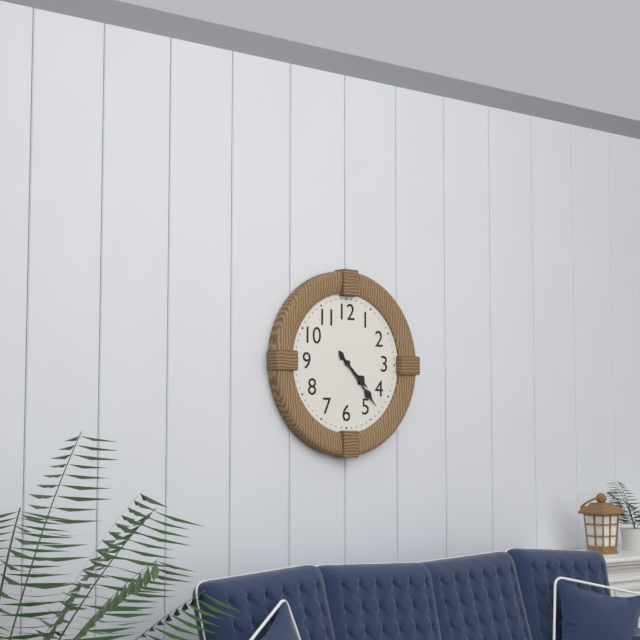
4h23
